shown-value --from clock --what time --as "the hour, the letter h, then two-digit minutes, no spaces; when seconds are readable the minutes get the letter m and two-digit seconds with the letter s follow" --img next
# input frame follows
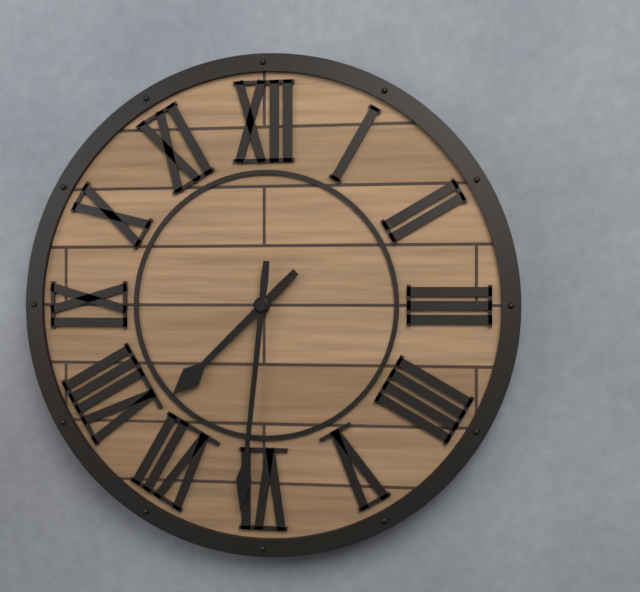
7h31
